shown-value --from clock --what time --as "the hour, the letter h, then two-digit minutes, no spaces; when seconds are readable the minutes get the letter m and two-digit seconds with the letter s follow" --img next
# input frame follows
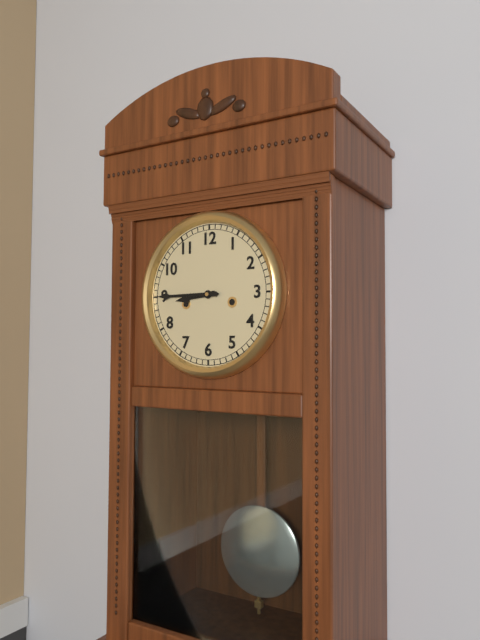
8h45
